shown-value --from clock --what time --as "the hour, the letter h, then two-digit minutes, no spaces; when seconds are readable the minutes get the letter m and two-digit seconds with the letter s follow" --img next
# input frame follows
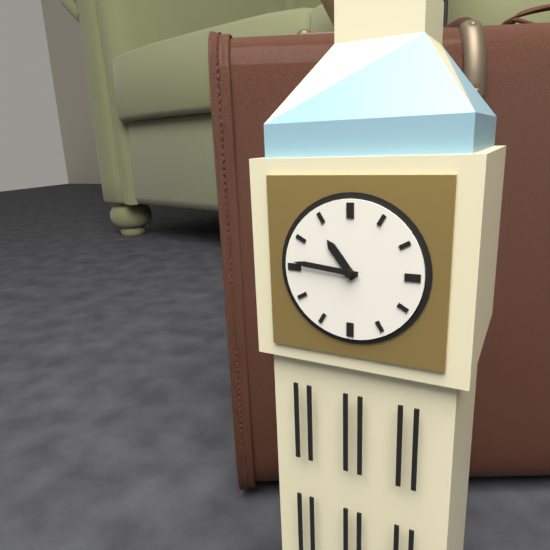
10h46
